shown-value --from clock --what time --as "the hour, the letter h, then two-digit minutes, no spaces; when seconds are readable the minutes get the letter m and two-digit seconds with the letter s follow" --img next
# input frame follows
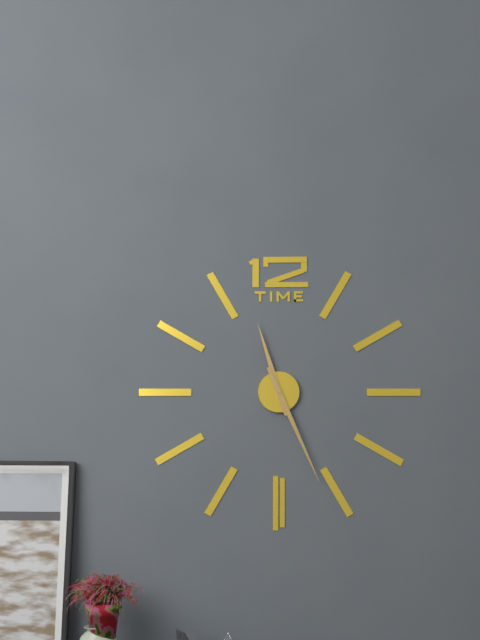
11h26
